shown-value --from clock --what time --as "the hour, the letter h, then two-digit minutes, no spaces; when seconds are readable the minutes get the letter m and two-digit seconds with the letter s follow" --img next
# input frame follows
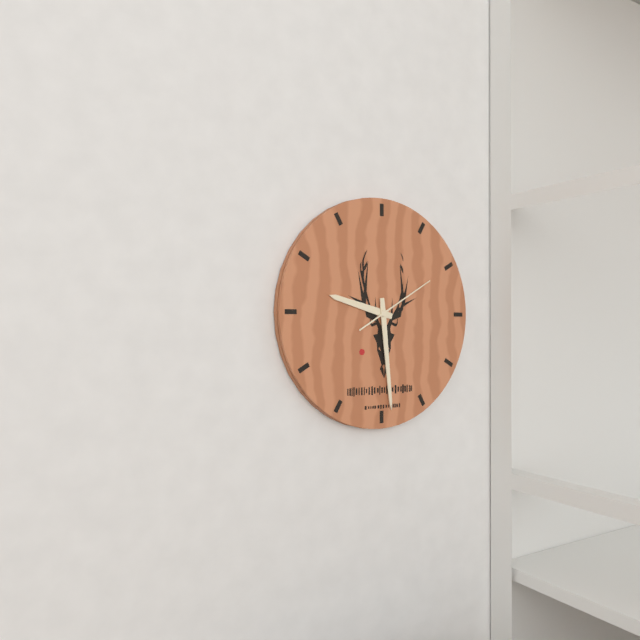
9h29m10s
